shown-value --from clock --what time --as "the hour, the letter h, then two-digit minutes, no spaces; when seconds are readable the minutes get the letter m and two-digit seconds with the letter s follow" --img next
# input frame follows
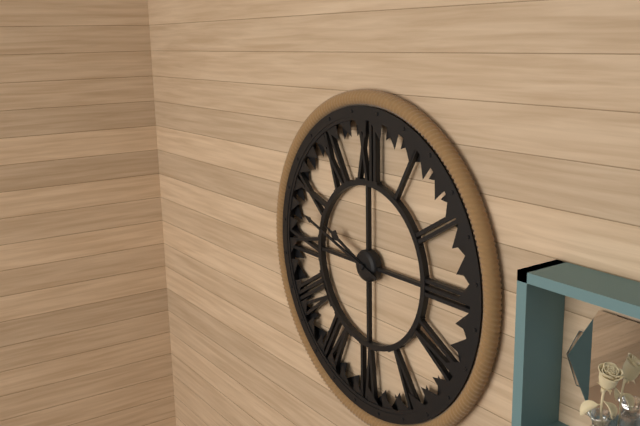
9h48
